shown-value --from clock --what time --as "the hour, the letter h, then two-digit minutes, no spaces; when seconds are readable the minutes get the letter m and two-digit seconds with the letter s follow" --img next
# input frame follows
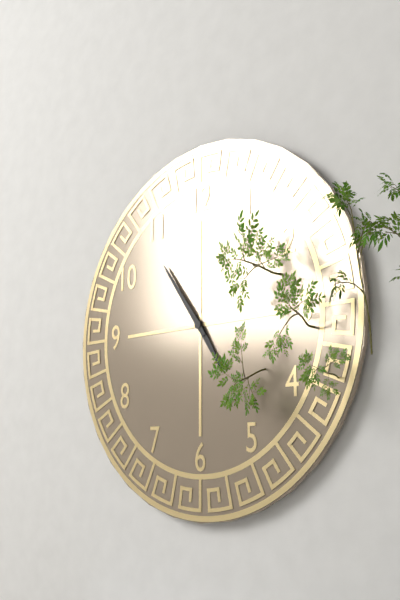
4h54
